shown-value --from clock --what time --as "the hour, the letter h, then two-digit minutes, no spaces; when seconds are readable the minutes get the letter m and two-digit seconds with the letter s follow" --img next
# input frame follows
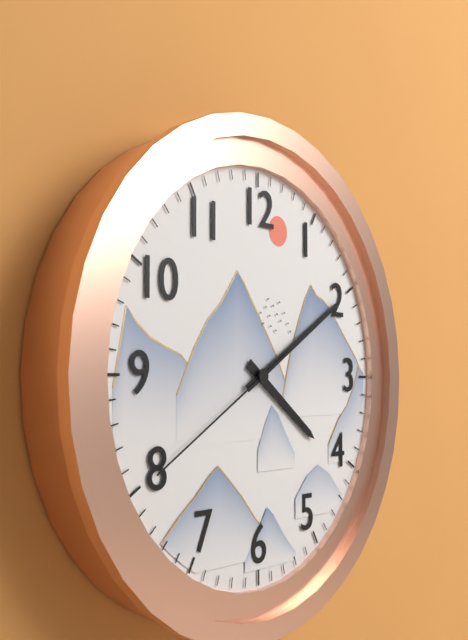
4h10m40s
